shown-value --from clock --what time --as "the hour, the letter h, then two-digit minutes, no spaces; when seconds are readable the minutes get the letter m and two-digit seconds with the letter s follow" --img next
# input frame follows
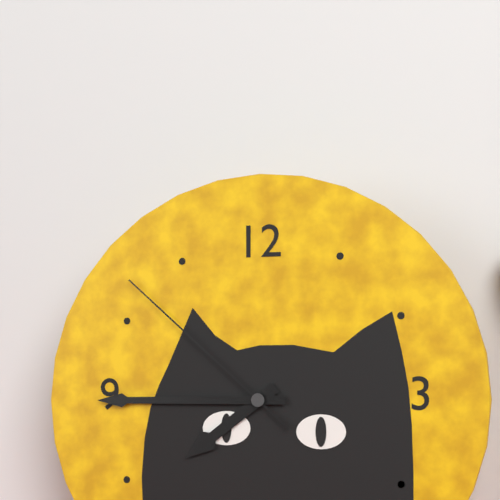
7h45m52s
